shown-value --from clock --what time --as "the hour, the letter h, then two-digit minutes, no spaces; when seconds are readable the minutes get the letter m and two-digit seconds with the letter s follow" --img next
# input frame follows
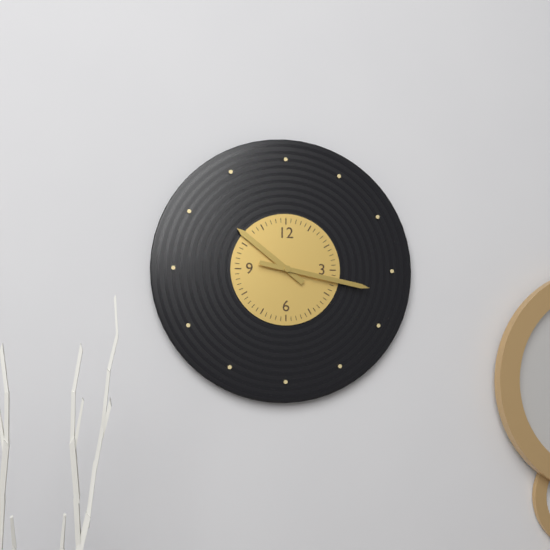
10h17
